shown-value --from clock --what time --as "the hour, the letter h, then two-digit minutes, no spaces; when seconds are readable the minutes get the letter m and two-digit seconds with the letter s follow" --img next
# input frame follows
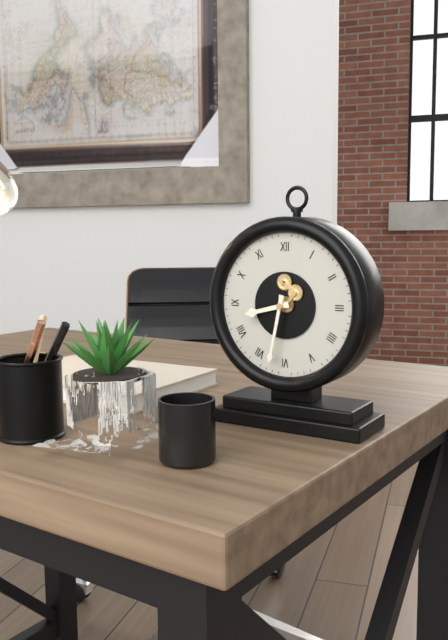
8h32
